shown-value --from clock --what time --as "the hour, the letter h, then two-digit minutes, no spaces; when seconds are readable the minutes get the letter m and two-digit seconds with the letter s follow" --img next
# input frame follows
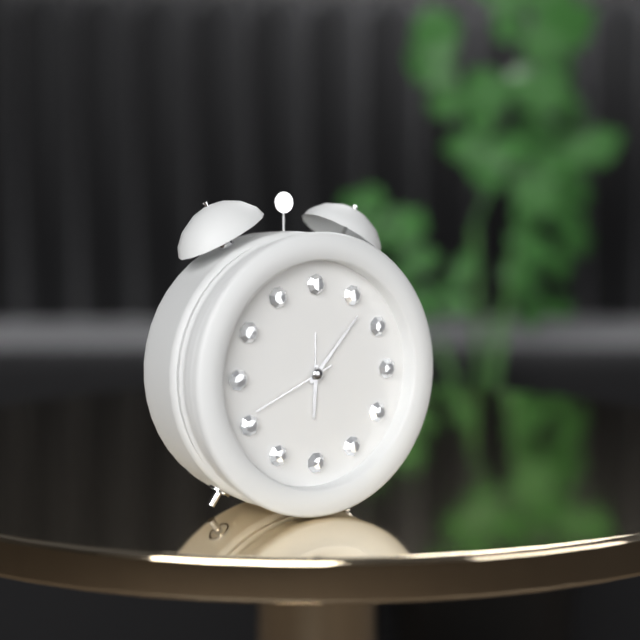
6h07m41s
